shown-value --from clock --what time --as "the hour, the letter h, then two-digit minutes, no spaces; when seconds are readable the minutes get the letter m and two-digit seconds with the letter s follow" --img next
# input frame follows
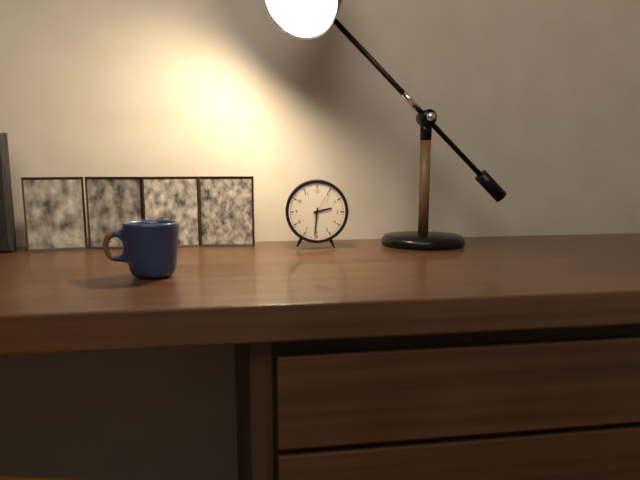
2h31
